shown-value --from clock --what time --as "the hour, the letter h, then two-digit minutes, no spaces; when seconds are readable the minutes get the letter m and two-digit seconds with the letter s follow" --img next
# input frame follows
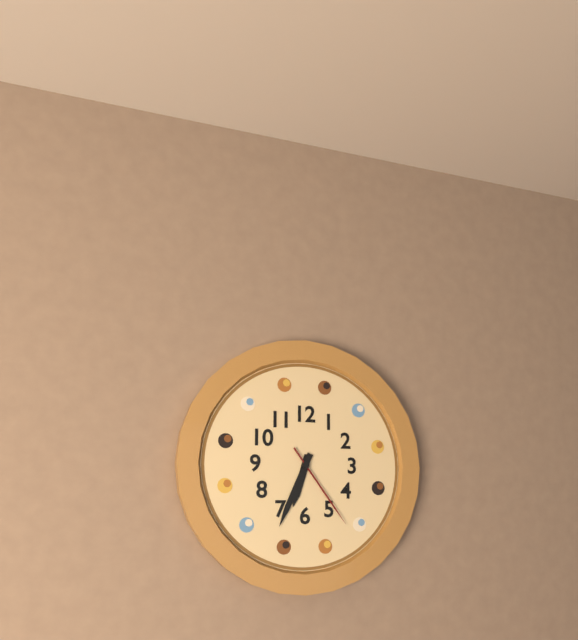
6h34m24s
